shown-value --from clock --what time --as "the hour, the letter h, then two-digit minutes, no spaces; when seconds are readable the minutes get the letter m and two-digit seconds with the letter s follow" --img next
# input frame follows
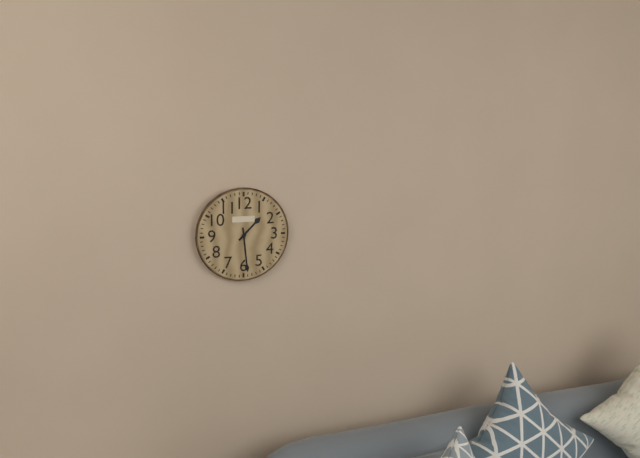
1h29
